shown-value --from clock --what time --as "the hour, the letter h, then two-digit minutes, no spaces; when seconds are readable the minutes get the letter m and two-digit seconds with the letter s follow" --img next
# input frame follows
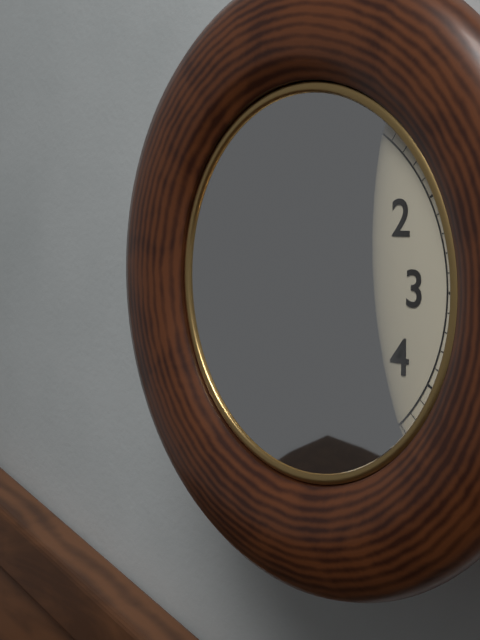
5h28
